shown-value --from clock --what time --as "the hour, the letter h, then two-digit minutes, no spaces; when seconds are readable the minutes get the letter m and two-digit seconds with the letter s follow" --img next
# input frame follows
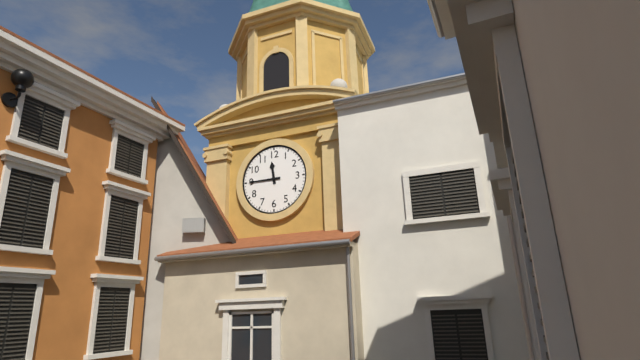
11h45
